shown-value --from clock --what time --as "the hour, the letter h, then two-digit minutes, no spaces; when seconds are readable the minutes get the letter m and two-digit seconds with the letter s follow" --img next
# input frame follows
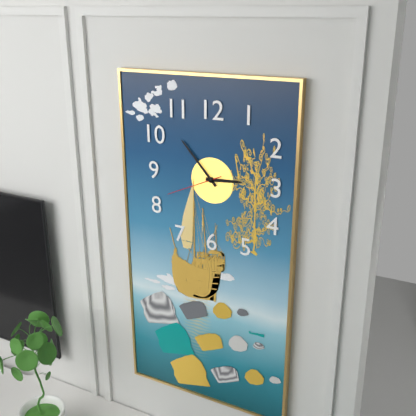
2h53m41s
